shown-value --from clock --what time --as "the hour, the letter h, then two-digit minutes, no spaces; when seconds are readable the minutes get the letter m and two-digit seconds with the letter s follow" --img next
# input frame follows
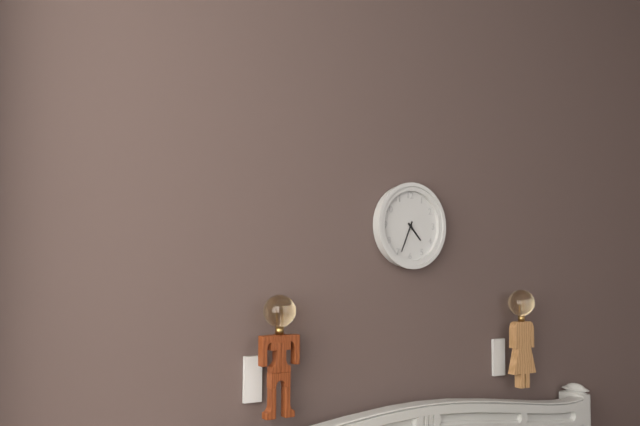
4h34
